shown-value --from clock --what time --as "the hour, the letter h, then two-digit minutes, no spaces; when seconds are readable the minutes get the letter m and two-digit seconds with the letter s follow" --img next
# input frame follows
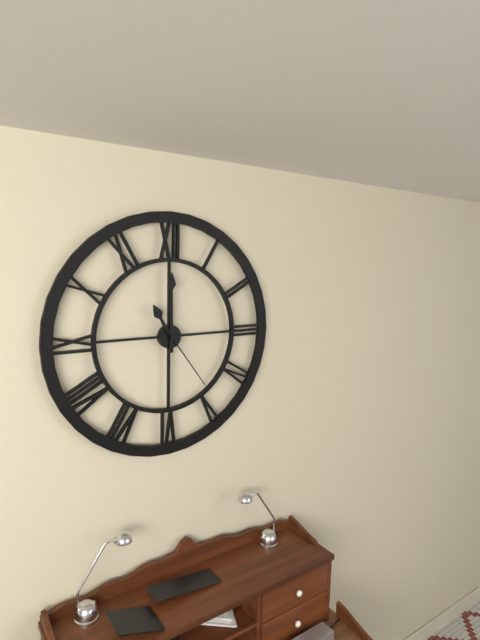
11h00m24s
